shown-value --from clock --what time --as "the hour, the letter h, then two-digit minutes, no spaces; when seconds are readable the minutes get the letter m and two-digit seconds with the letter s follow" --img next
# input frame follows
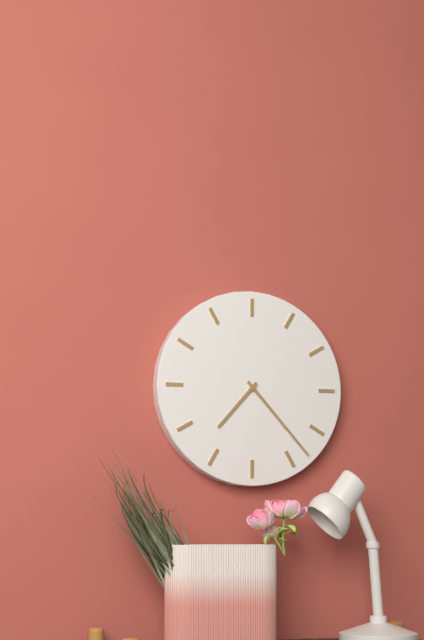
7h23
